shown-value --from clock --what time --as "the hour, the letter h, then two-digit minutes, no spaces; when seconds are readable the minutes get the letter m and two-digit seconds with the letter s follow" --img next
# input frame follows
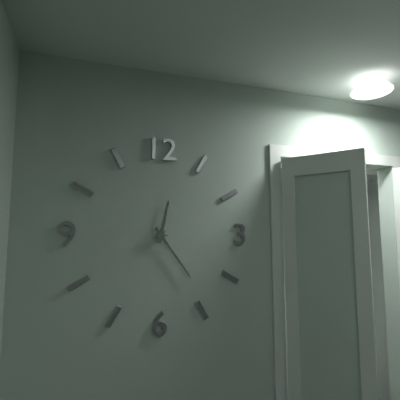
12h24
